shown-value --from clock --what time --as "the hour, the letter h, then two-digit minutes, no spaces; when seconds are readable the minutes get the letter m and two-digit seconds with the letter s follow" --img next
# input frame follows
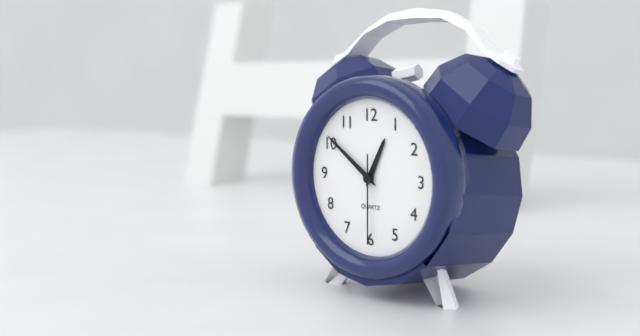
12h51m30s
